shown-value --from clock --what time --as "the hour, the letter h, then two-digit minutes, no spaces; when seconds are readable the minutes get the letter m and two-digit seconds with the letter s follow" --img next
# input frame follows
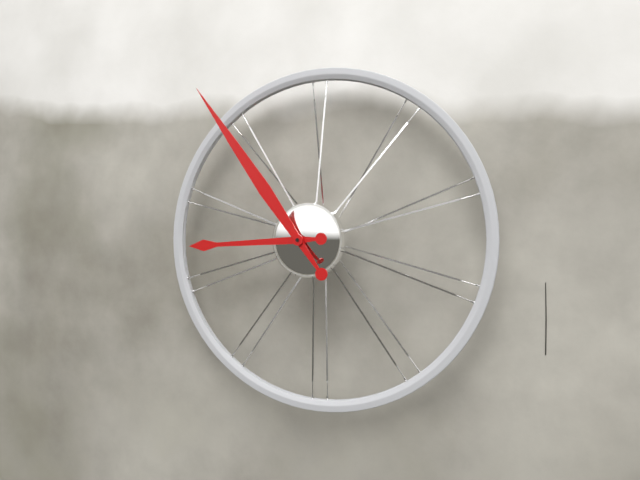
8h54
